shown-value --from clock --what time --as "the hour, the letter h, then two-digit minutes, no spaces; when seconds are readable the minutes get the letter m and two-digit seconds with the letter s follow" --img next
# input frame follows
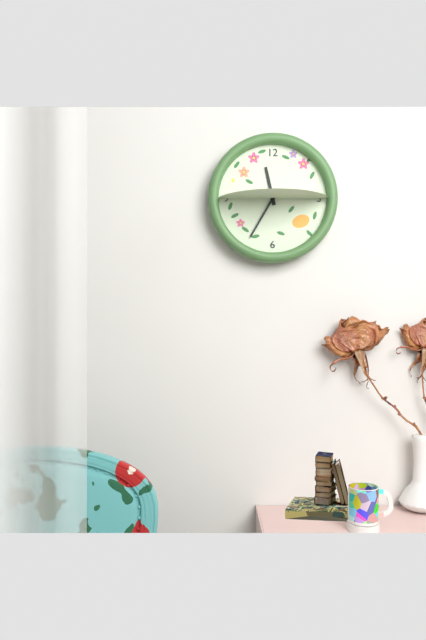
11h35
